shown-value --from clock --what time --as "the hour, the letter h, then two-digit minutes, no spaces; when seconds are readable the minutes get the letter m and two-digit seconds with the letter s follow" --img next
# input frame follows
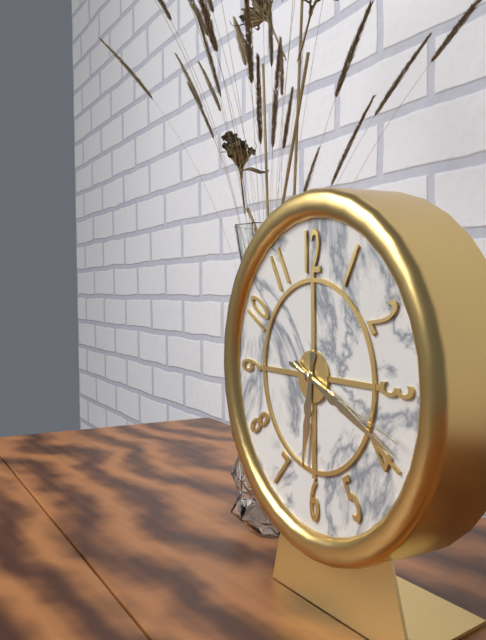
6h19m18s
